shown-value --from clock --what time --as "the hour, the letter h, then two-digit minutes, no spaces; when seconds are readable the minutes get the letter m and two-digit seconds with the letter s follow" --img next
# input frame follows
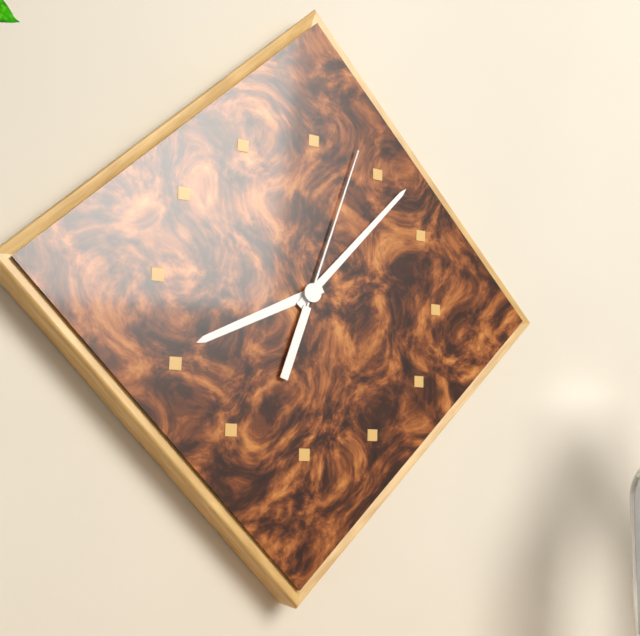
8h07m03s
